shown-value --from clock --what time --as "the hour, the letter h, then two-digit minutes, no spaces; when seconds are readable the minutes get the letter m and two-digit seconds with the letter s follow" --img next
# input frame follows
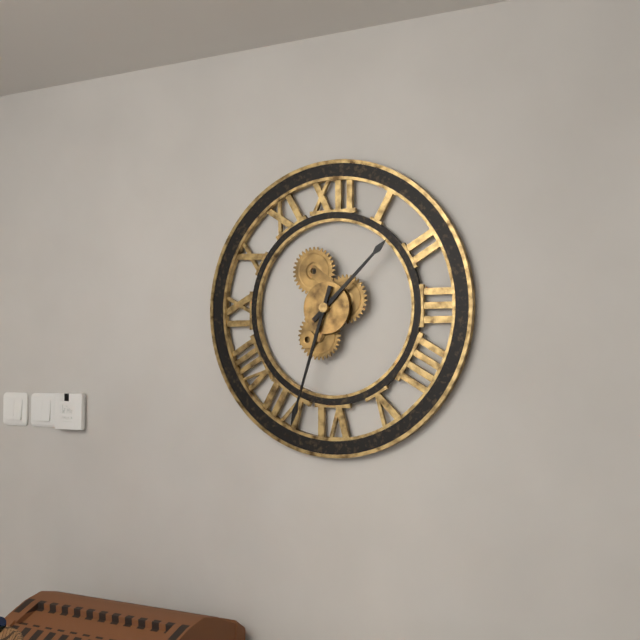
1h33
